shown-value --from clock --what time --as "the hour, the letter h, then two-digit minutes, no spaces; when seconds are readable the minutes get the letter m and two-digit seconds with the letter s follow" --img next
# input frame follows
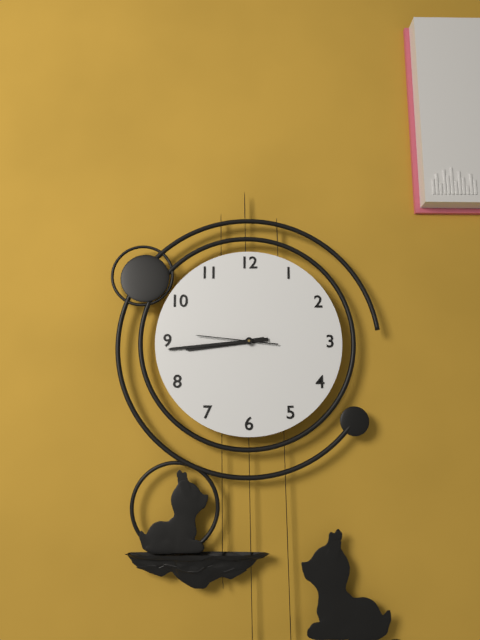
8h44m46s
